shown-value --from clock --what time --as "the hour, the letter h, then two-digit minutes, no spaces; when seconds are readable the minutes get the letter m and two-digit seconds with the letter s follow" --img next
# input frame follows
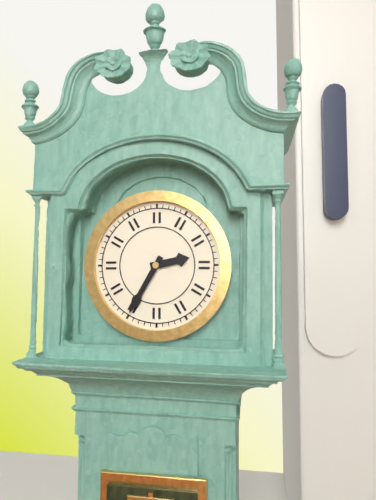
2h35
